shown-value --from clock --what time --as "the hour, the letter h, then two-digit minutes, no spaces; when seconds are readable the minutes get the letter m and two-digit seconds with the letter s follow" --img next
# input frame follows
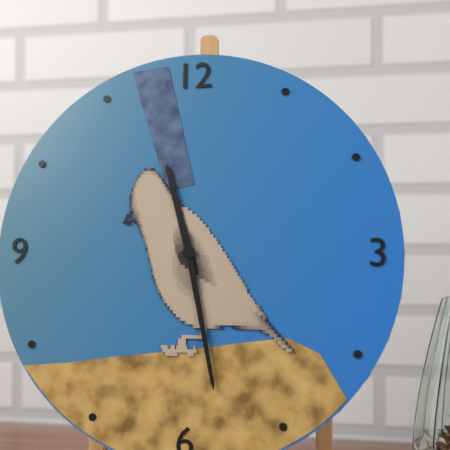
11h28
